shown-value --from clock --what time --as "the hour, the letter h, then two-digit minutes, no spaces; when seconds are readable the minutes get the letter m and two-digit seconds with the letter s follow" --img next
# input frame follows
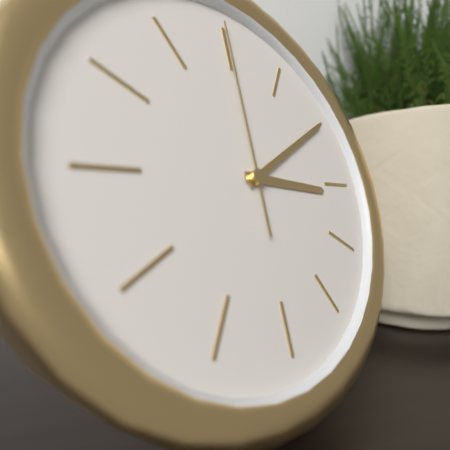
3h10m00s
